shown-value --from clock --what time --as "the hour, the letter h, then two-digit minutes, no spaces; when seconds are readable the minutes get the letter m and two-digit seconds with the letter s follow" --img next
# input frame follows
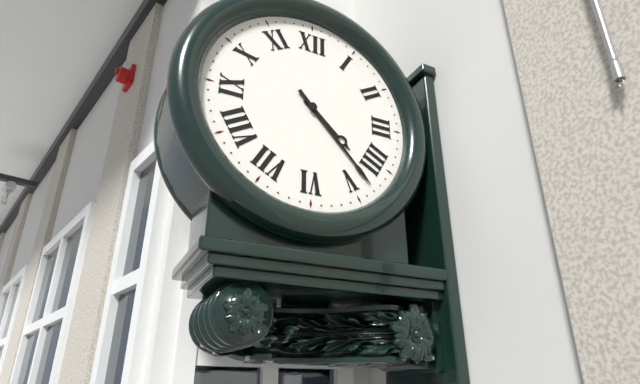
4h23
